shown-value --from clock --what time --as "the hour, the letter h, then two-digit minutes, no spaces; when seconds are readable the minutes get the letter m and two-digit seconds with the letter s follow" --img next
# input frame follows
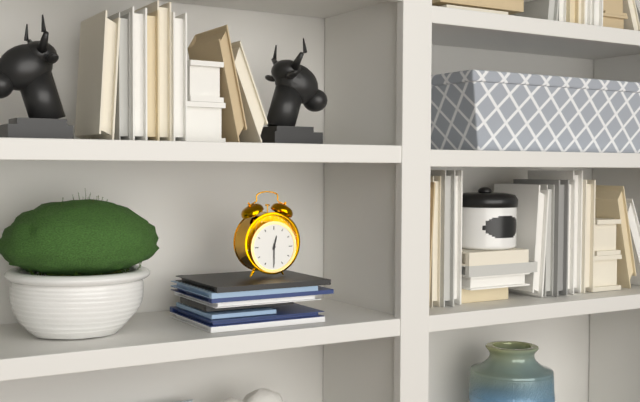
12h30
